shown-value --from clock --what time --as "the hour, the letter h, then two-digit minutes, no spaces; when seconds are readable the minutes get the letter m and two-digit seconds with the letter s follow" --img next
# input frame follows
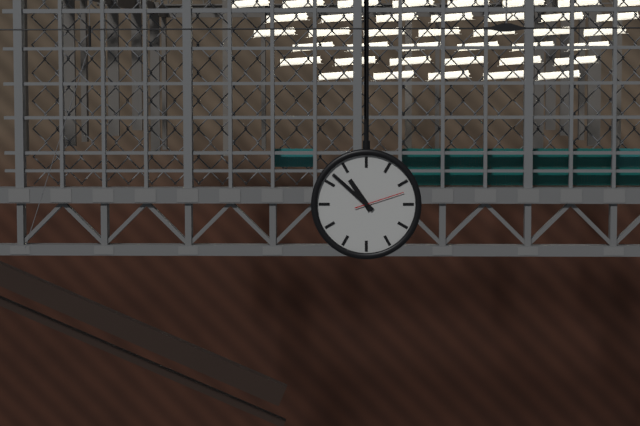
10h52
